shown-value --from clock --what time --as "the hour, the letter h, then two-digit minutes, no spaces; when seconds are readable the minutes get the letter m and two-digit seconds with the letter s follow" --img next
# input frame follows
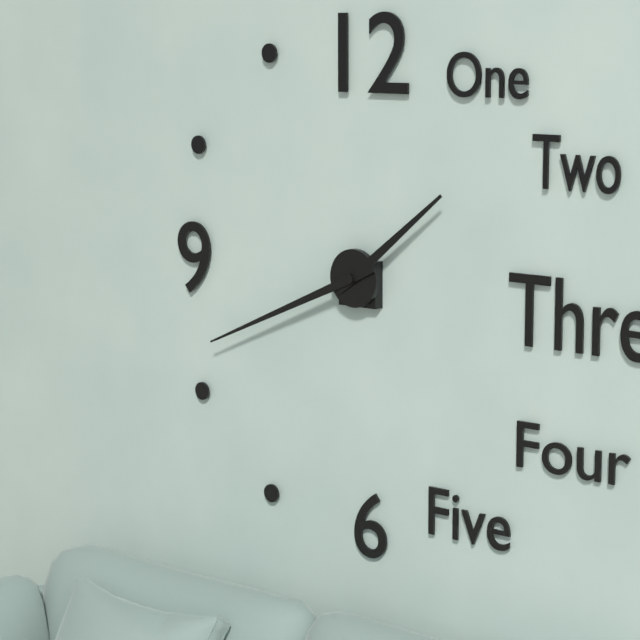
1h41
